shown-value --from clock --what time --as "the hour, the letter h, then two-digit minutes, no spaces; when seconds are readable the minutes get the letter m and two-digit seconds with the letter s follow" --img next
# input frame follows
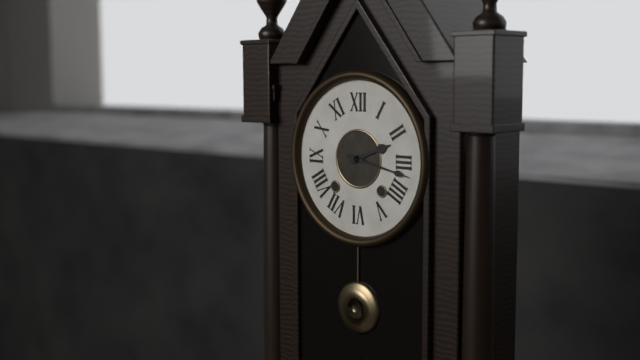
2h17
